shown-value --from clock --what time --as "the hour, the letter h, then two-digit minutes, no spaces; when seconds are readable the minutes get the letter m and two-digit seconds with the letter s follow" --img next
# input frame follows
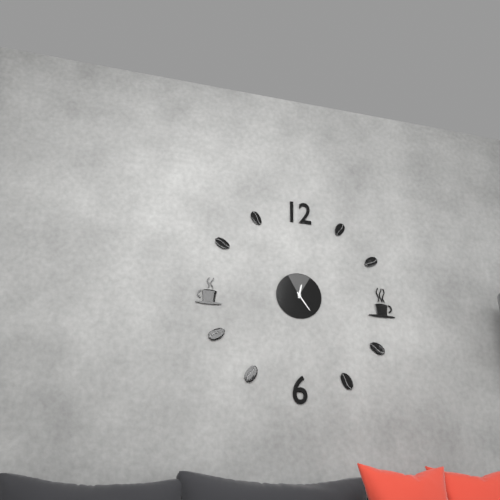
12h24
